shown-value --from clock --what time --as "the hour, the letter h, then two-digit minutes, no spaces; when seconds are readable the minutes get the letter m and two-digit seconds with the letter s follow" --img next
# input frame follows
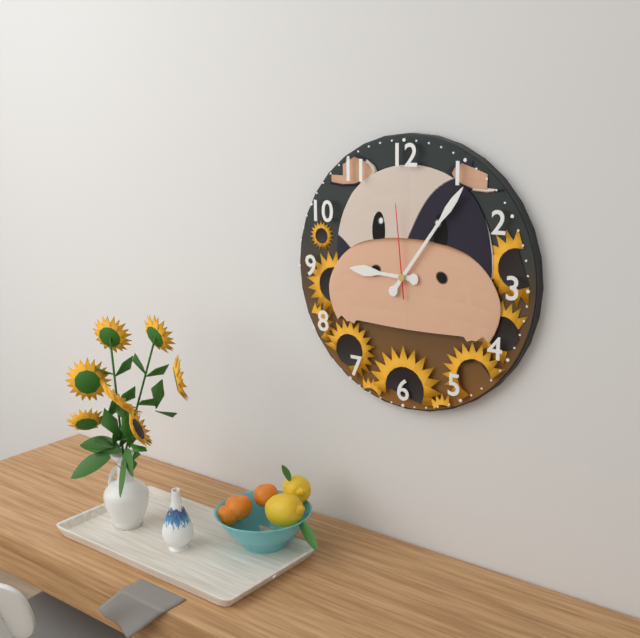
9h06m59s
